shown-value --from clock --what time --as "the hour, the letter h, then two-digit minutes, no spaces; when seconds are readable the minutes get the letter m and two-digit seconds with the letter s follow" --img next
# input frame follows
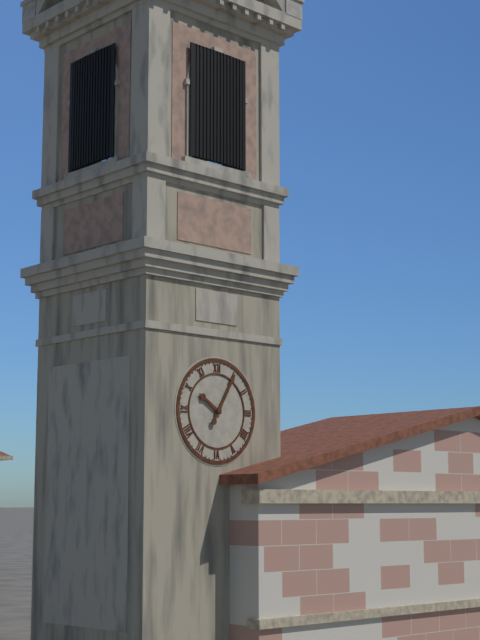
10h05
